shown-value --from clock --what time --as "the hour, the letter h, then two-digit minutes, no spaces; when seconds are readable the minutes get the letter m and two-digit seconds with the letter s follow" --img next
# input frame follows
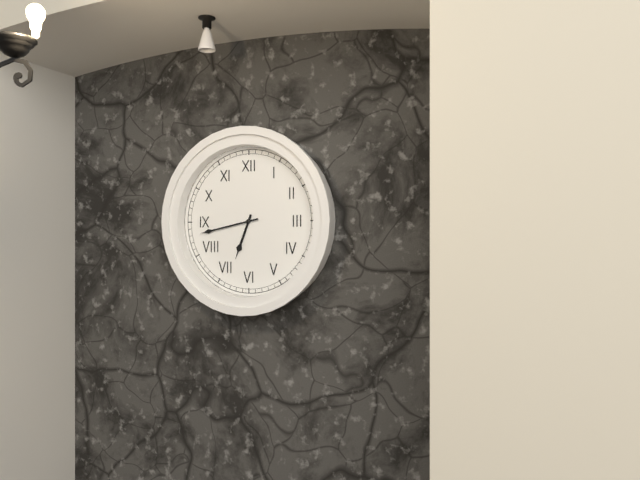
6h43
